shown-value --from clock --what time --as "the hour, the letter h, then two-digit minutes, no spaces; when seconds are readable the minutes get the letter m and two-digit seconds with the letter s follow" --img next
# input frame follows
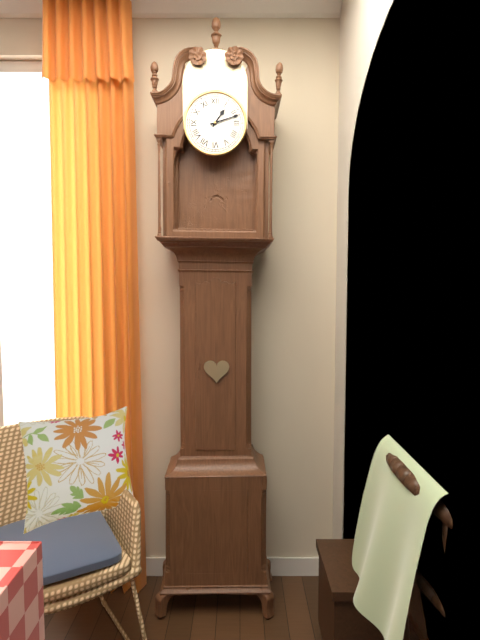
1h12
